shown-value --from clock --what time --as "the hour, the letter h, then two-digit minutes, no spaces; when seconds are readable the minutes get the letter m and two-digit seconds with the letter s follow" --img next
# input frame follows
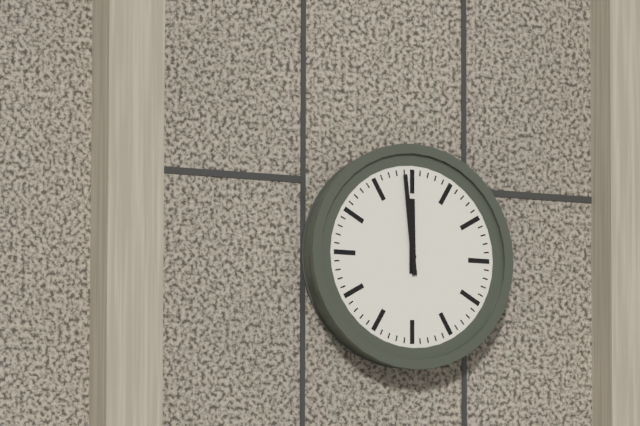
11h59
